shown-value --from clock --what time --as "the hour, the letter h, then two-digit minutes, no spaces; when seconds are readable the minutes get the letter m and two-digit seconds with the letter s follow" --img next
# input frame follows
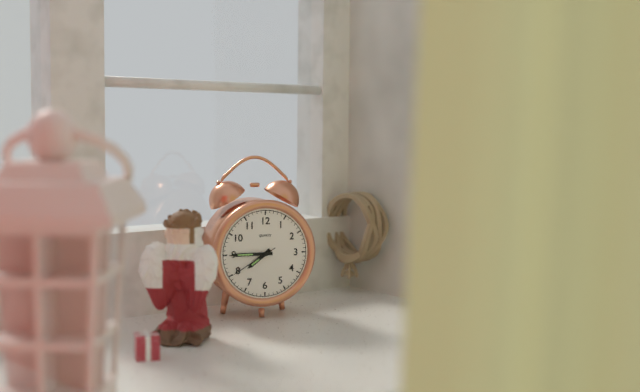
7h45
